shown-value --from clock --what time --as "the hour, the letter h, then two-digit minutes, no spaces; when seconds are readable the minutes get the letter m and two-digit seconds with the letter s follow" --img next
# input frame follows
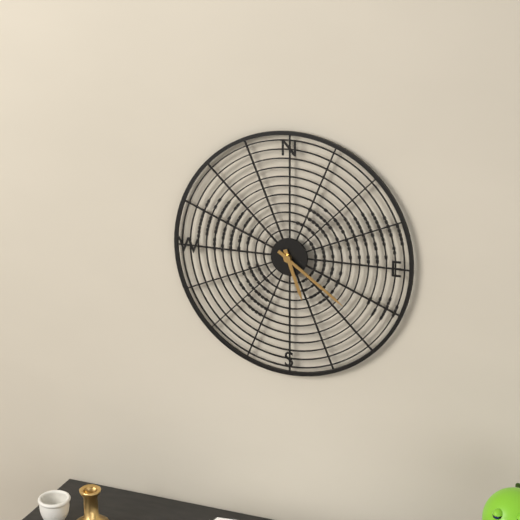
5h21
